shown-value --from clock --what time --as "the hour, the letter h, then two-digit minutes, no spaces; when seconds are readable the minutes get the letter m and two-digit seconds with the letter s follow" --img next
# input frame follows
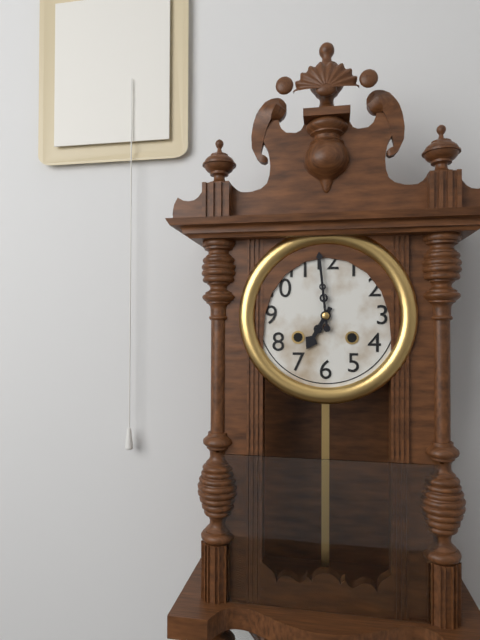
6h59
